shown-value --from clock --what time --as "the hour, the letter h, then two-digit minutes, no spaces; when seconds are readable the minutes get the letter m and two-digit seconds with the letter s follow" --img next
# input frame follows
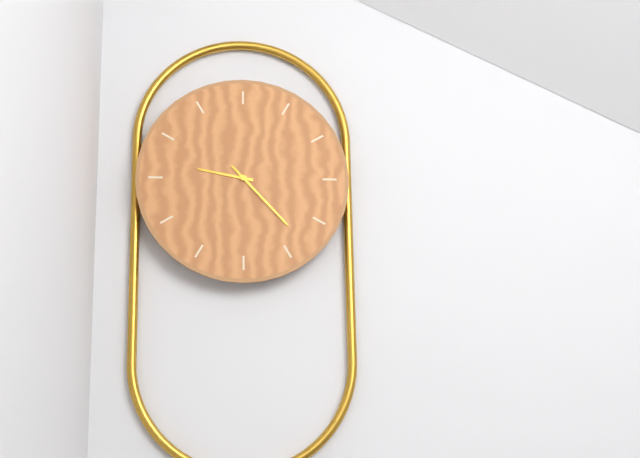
9h23
